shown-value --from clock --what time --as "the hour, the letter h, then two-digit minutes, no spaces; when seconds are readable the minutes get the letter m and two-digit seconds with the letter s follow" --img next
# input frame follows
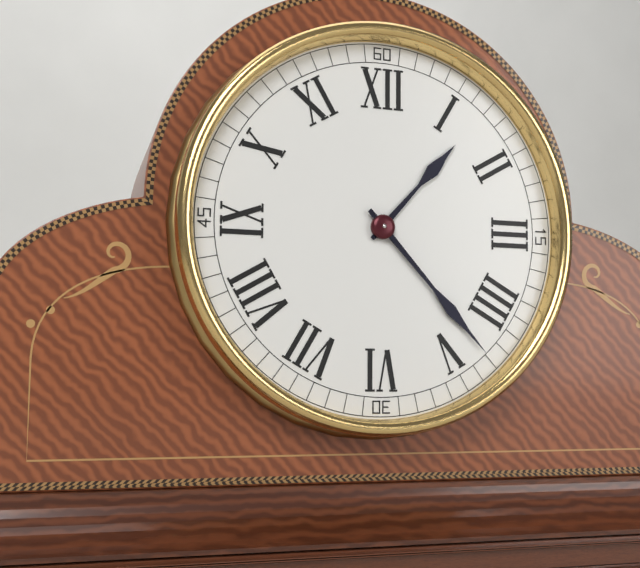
1h23
